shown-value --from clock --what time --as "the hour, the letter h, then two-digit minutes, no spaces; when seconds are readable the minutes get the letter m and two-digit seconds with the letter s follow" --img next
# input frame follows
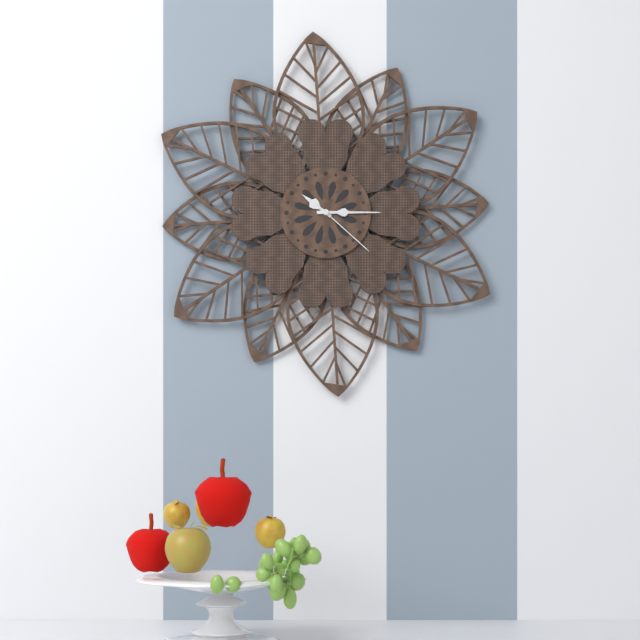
10h15m22s
